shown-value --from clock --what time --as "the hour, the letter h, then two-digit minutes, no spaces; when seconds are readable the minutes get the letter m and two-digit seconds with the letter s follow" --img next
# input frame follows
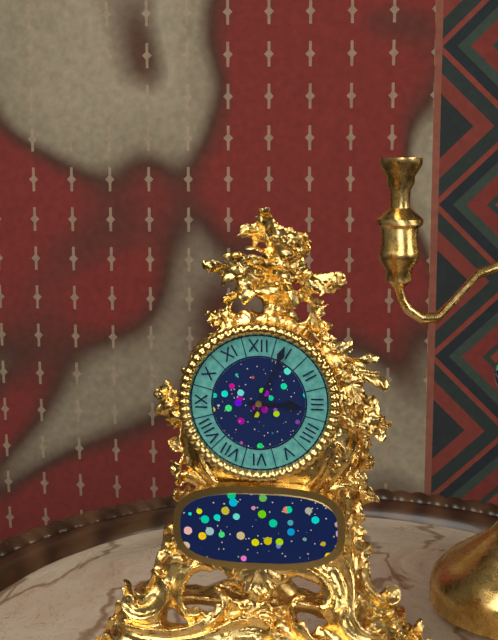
3h04
